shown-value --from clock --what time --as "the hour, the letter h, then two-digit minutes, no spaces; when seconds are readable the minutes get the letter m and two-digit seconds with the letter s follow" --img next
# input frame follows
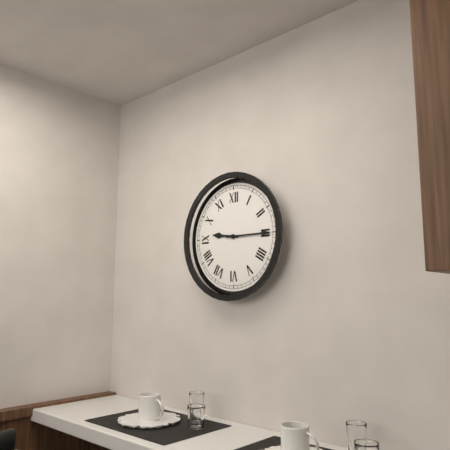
9h15
